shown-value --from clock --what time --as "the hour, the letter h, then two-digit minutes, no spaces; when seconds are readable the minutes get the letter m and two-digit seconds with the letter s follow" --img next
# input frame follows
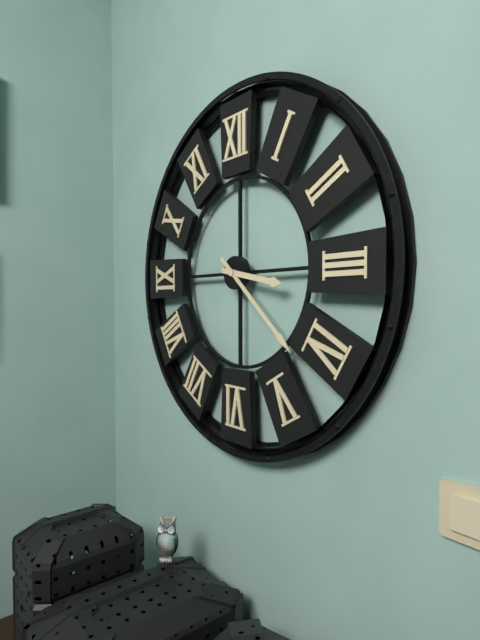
3h22
